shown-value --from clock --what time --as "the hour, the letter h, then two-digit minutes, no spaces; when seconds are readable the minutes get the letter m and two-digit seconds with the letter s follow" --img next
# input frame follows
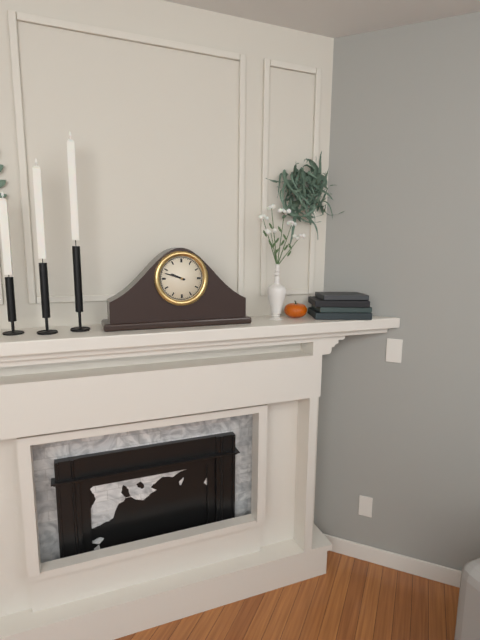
9h48
